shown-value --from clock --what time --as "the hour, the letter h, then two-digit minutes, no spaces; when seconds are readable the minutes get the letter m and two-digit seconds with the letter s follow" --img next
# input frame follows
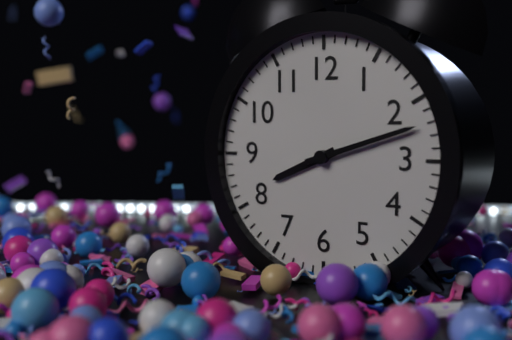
8h12
